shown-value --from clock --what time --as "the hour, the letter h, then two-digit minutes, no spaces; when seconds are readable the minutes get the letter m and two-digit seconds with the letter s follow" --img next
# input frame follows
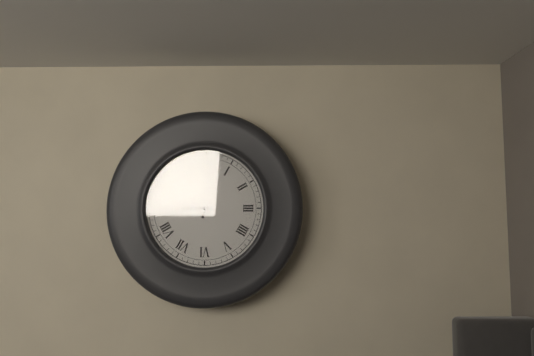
9h02
